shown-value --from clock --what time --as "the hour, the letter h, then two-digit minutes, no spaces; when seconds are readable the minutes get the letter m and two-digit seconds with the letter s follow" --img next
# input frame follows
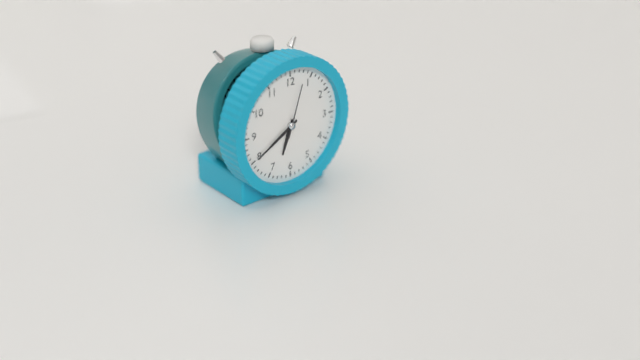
6h40m03s
